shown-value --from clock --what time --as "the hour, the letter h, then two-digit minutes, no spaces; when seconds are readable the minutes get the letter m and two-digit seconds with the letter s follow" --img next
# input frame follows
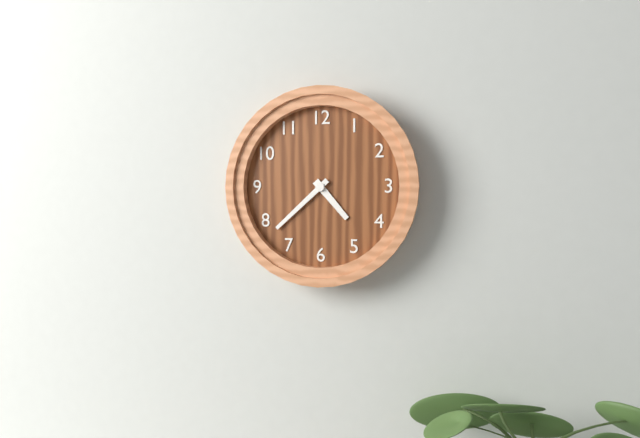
4h38
